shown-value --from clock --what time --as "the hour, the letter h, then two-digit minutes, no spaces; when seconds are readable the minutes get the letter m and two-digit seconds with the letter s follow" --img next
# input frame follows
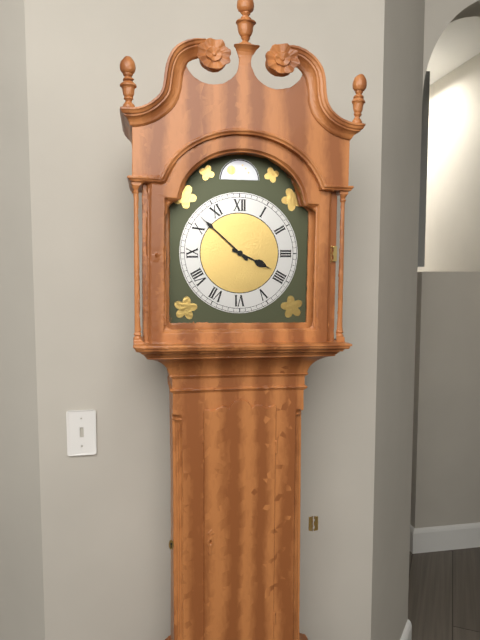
3h52
